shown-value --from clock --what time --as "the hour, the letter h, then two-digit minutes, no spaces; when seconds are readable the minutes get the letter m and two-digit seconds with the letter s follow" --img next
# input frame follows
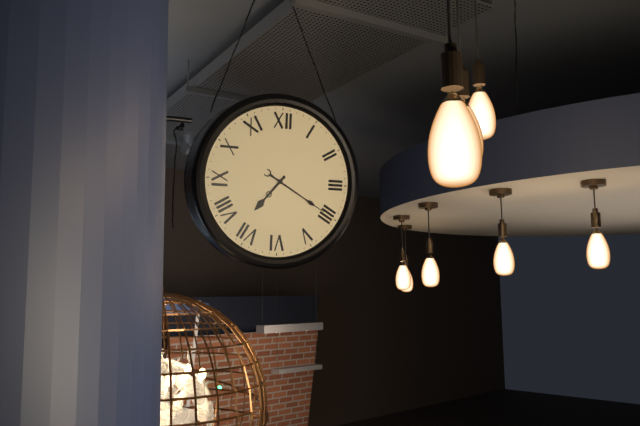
7h20
